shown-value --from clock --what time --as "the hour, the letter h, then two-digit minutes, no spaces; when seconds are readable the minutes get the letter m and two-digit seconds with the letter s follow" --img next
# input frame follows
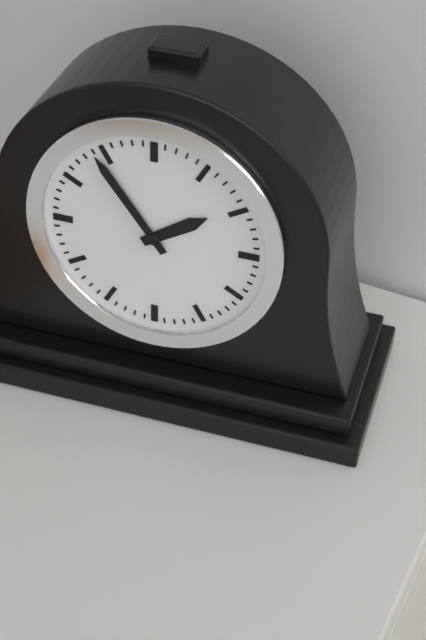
1h54
